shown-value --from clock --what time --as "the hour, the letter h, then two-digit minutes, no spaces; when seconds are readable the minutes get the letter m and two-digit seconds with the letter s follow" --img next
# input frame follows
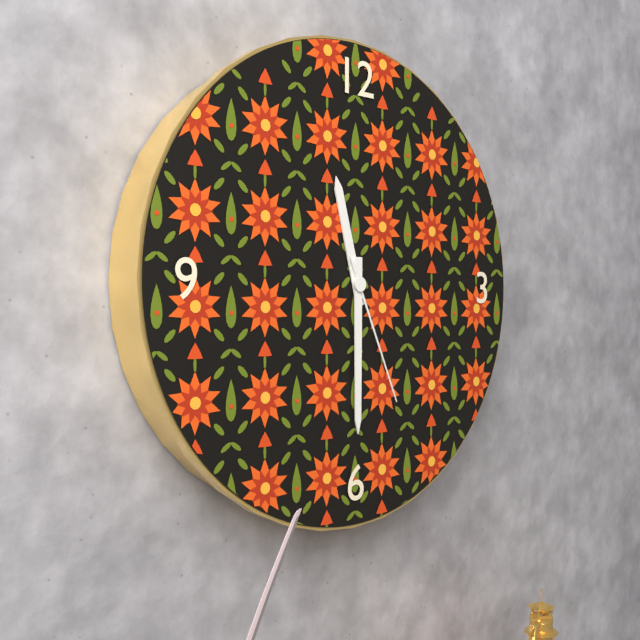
11h30m26s
